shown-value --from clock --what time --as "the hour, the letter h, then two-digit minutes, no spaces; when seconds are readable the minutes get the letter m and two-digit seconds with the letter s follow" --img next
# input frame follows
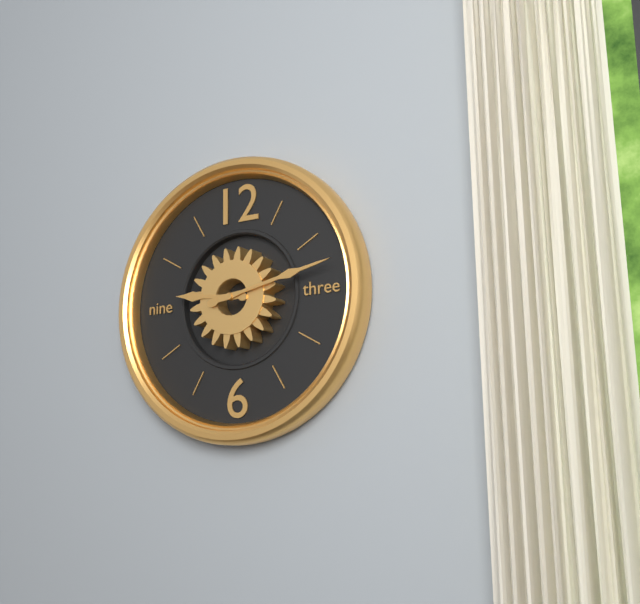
9h13
